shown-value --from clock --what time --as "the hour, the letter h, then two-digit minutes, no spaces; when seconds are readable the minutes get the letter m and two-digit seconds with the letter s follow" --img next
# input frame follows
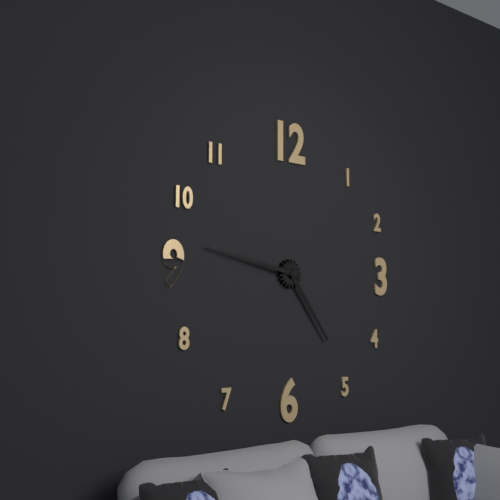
4h47
